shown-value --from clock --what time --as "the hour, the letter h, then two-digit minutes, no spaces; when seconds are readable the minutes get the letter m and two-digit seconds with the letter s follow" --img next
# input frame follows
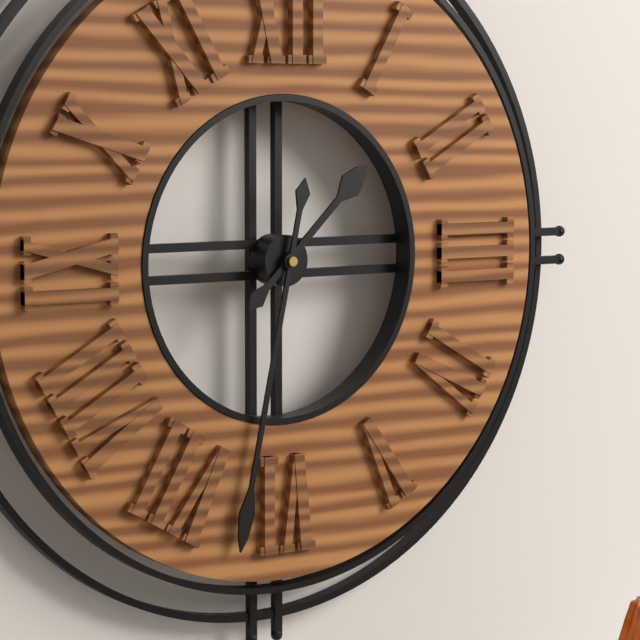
1h32
